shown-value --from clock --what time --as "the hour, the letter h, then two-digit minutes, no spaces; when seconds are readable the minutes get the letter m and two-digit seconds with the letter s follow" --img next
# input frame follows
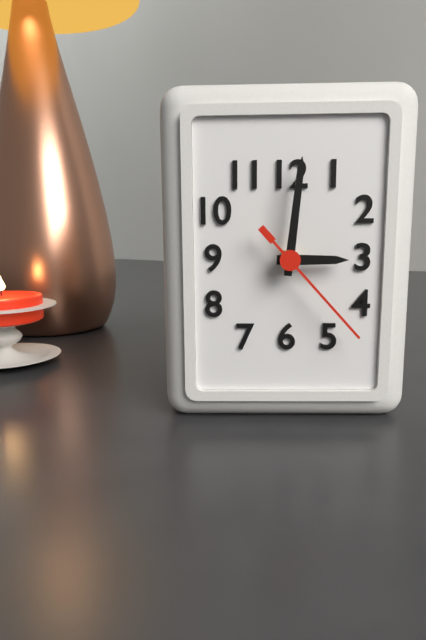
3h01m23s
